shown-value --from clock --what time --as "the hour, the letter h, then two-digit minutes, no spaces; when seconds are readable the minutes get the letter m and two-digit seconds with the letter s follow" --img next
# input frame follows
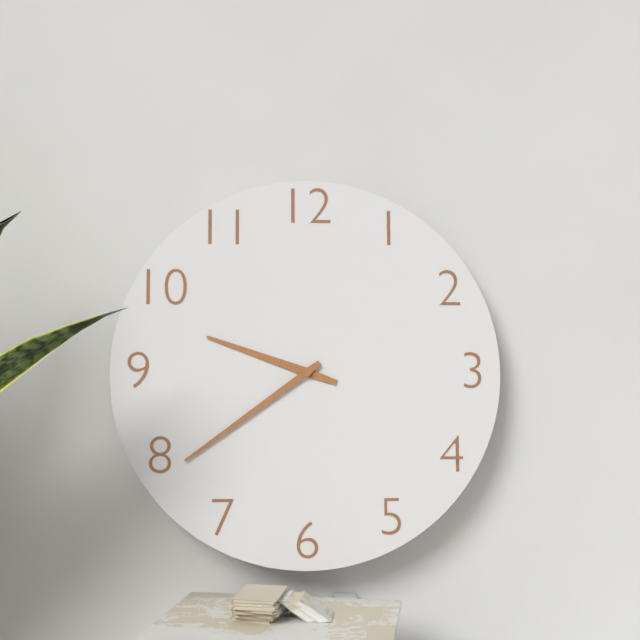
9h39
